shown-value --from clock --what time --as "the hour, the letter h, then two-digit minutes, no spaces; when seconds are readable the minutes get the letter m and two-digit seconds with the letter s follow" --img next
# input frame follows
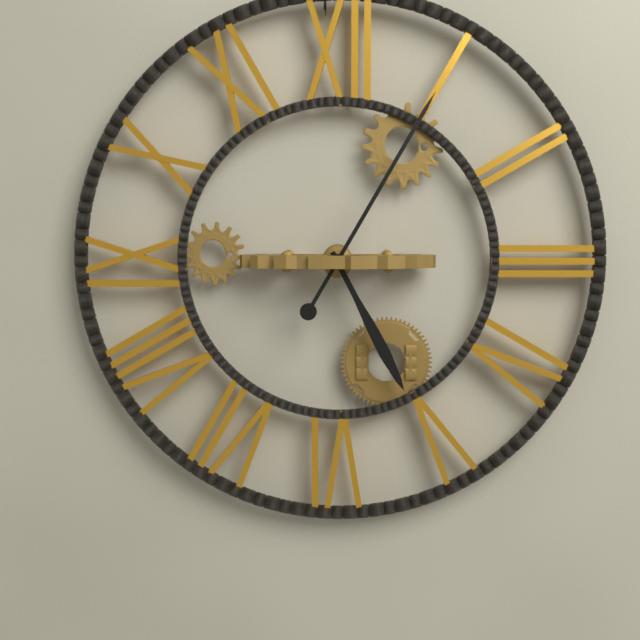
5h05
